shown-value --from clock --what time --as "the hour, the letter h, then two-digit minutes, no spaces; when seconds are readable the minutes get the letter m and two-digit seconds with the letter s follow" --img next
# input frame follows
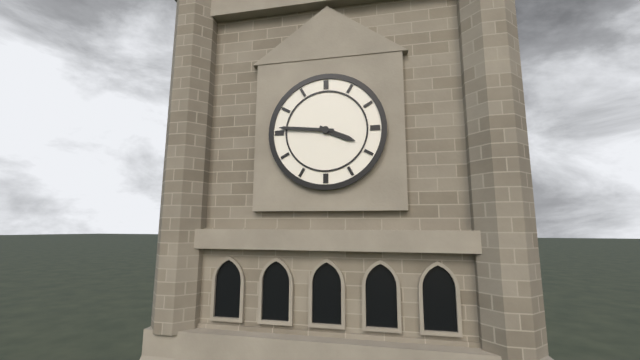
3h46
